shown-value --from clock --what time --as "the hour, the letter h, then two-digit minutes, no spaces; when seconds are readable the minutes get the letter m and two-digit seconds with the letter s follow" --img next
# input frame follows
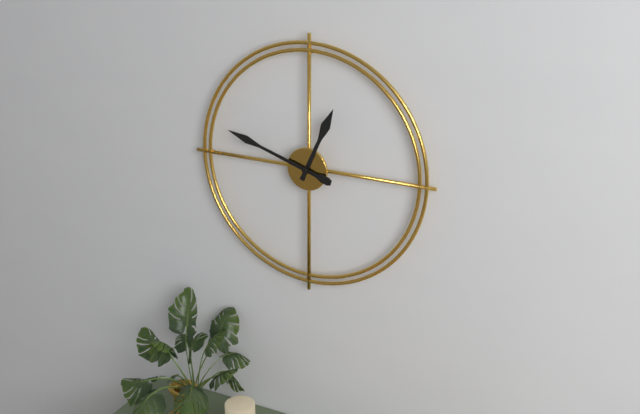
12h48
